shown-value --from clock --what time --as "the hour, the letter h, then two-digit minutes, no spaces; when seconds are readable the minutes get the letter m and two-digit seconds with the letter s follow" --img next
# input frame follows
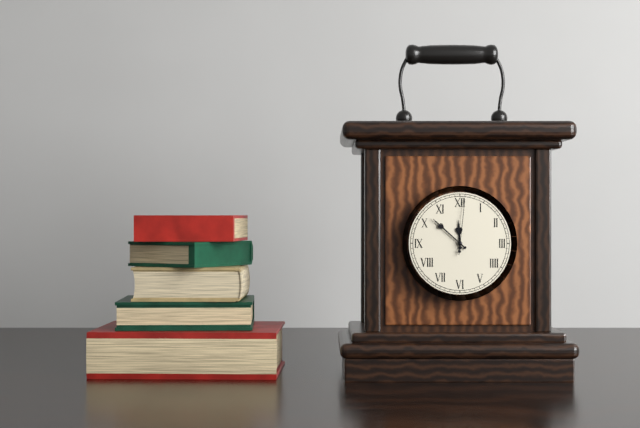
11h52m01s
